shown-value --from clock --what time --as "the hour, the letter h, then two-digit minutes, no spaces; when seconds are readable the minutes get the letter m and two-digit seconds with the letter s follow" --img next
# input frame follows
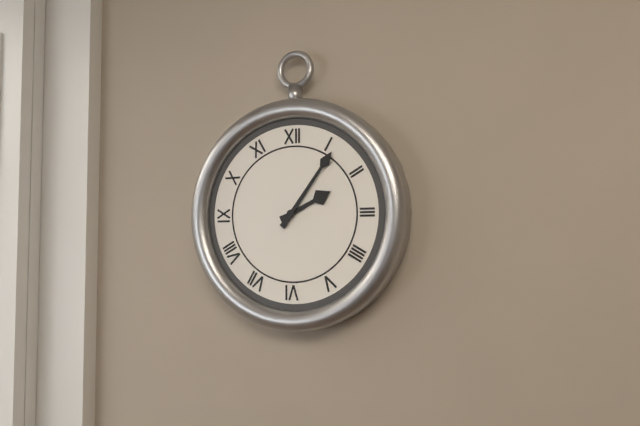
2h06
